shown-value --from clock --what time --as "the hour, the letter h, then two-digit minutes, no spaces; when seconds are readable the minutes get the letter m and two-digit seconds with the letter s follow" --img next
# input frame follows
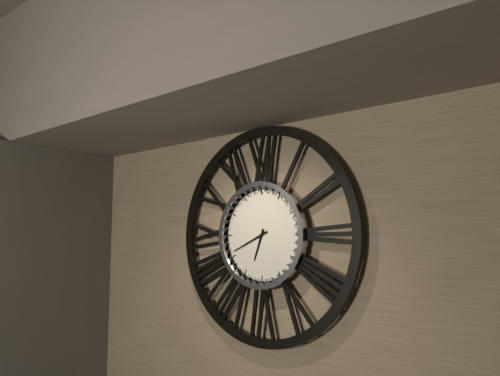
6h41
